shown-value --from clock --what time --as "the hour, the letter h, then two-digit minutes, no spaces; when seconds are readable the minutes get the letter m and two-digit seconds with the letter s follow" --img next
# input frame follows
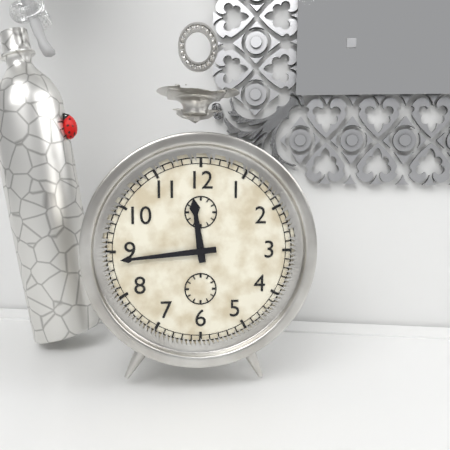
11h44
